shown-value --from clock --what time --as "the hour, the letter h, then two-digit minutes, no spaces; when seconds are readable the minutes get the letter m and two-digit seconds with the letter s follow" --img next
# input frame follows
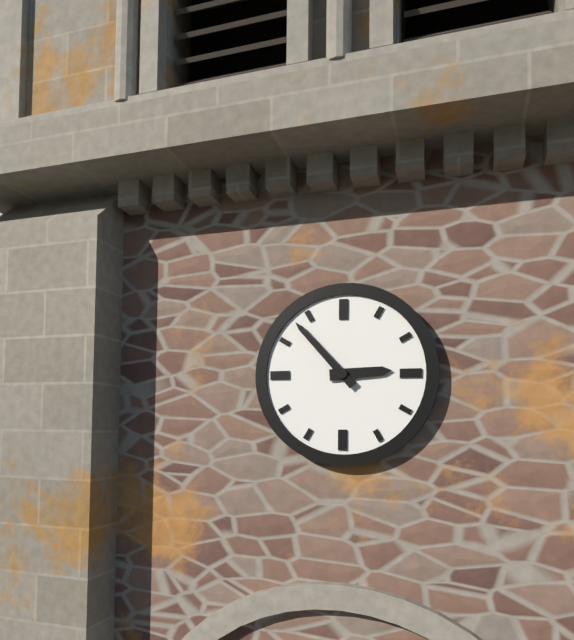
2h53
